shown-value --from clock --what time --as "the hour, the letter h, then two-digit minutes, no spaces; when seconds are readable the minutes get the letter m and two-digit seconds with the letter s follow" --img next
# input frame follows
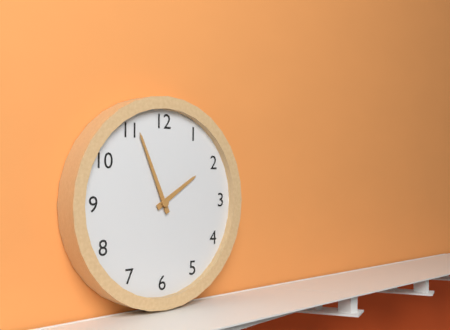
1h56
